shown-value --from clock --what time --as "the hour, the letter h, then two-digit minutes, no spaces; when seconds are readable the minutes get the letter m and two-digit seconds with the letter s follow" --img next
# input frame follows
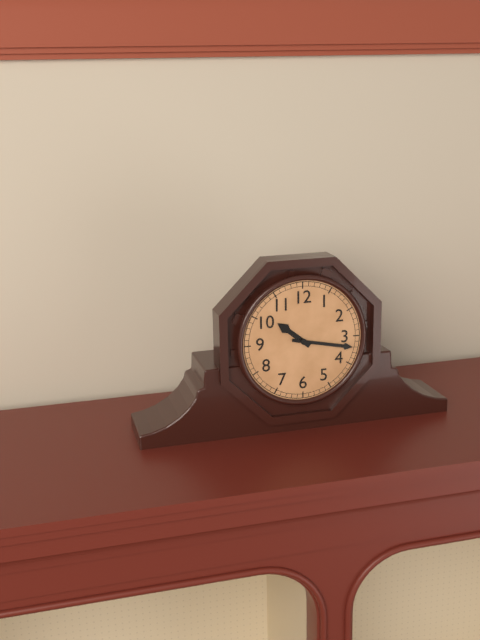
10h17
